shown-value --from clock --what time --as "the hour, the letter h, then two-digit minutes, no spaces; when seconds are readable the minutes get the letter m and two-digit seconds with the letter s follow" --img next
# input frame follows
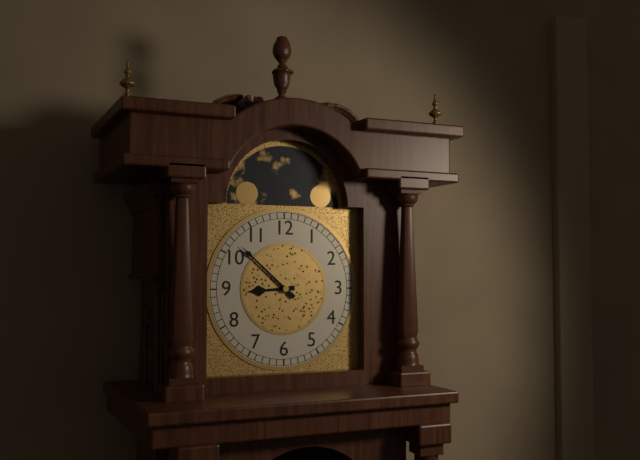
8h52
